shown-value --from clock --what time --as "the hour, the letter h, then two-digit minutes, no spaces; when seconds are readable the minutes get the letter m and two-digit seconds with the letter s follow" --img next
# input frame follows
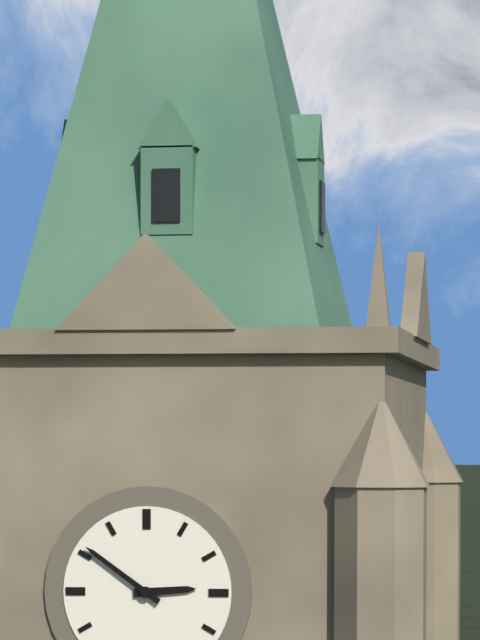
2h51
